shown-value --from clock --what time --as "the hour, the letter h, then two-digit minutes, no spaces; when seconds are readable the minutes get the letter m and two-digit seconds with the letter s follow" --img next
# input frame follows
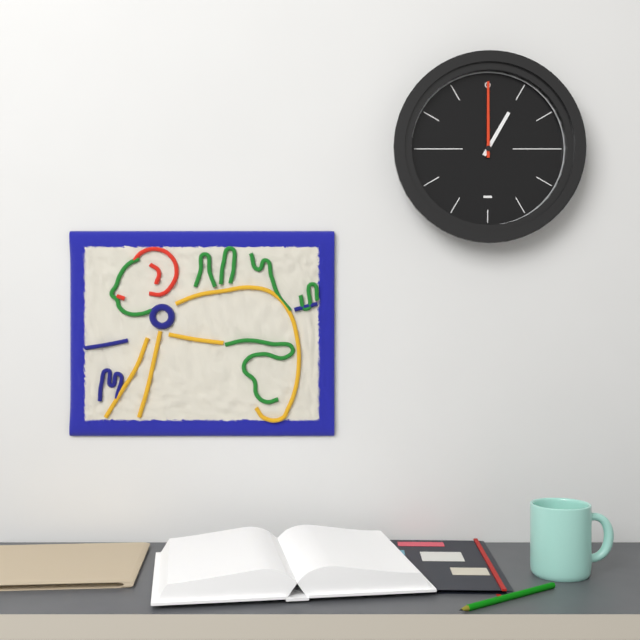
1h00
